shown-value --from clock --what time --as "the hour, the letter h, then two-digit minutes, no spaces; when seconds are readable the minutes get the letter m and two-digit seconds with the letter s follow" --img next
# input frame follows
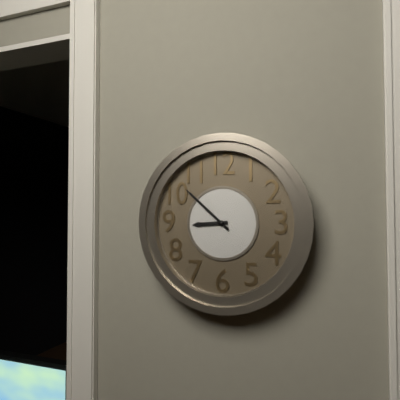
8h52
